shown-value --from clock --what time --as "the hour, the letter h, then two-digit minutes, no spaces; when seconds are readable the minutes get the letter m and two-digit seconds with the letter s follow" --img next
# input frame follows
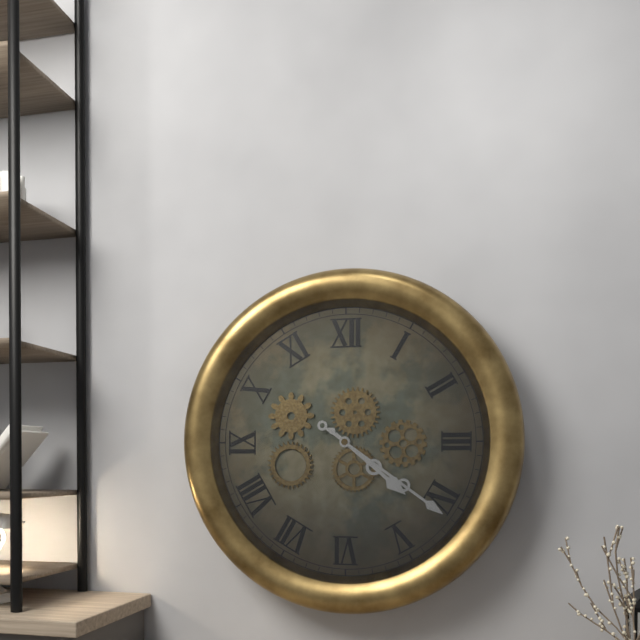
4h21
